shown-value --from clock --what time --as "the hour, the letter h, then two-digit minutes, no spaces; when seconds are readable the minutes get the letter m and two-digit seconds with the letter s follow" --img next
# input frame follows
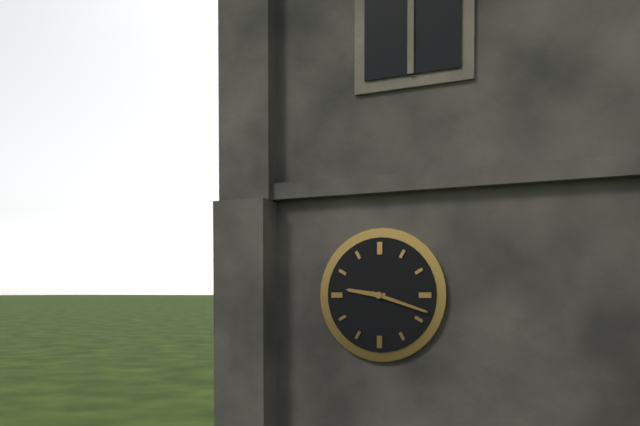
9h18
